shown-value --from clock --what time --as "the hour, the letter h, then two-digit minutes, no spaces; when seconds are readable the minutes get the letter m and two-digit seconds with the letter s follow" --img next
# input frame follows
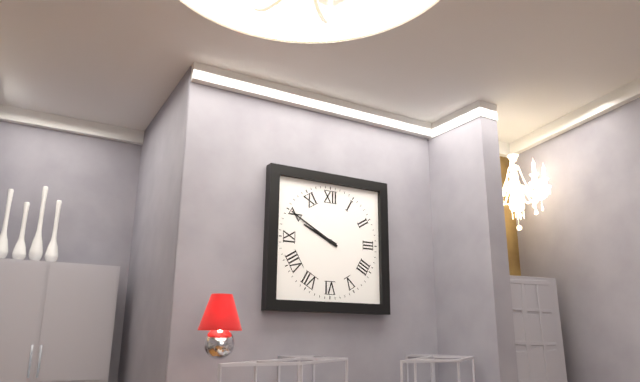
9h50
